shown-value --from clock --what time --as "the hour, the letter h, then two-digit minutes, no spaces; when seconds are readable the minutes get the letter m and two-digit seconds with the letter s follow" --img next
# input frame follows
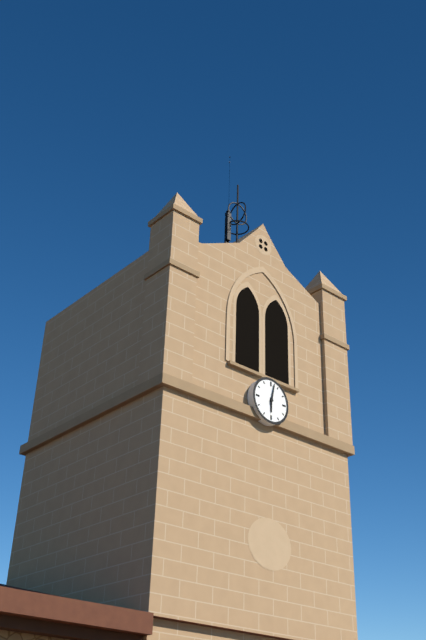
6h02
